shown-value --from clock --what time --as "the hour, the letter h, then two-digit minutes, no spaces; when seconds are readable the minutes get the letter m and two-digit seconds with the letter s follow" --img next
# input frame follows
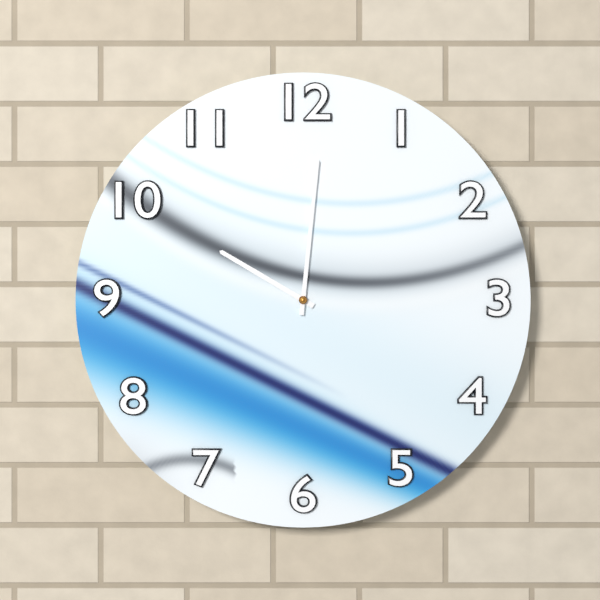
10h01
